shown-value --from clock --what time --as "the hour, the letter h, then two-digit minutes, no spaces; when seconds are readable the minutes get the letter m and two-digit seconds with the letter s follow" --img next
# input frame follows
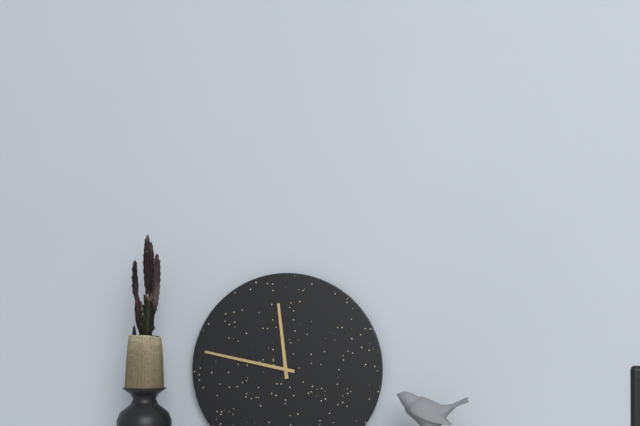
11h47
